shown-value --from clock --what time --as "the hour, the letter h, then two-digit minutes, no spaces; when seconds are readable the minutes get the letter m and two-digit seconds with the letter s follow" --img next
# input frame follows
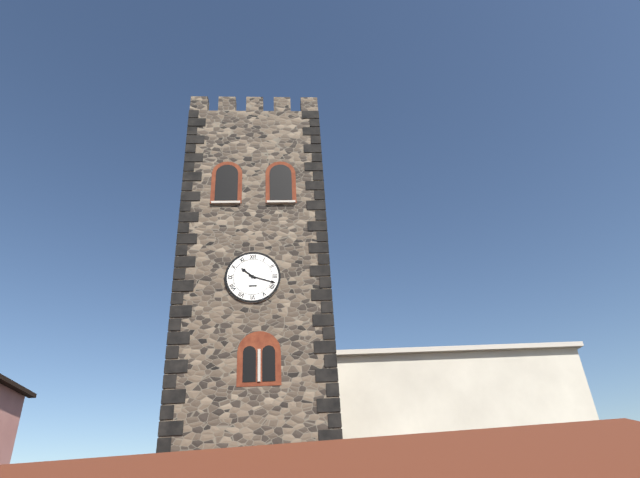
10h18
